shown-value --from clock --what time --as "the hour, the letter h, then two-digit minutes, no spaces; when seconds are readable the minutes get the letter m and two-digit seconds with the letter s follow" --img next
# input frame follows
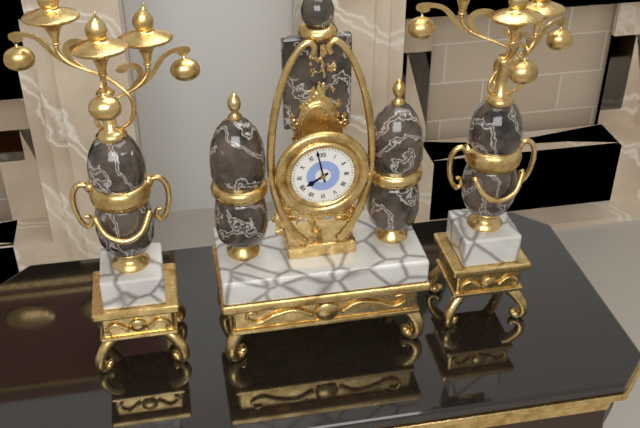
7h58
